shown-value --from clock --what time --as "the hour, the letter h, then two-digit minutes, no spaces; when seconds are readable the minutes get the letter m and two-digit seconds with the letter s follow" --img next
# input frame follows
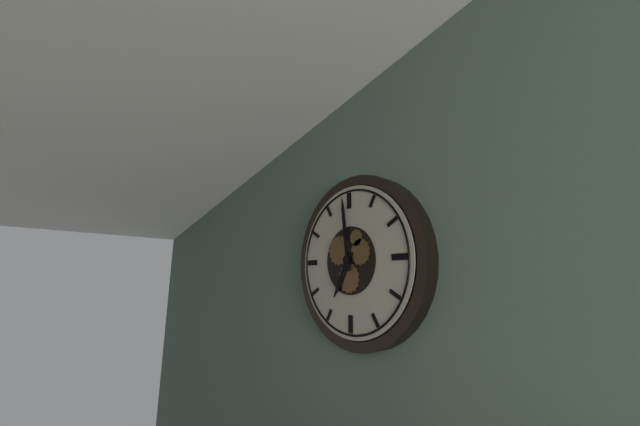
6h59
